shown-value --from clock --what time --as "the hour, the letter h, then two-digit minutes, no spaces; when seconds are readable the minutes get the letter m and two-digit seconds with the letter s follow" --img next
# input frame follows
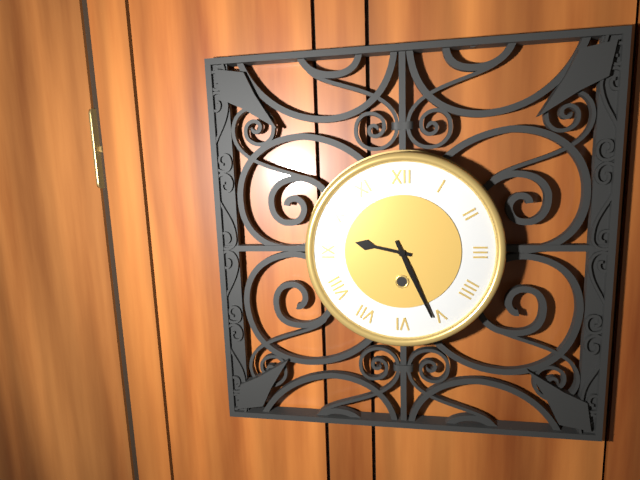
9h26
